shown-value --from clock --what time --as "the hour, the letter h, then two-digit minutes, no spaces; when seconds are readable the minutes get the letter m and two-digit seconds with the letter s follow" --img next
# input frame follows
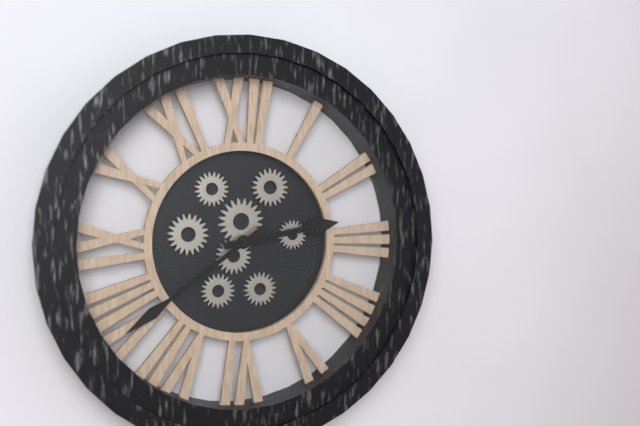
2h39
